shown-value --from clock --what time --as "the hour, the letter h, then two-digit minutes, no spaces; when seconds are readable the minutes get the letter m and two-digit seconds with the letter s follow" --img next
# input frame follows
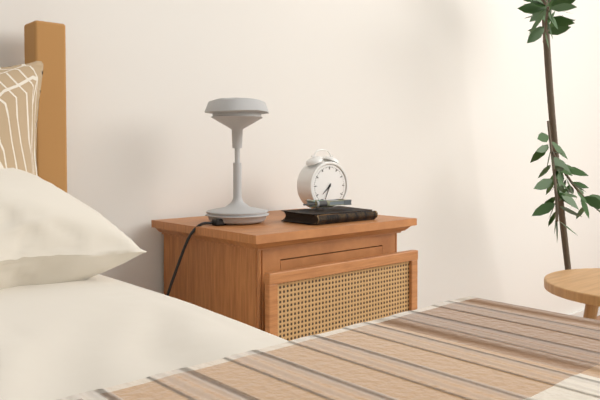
7h34
